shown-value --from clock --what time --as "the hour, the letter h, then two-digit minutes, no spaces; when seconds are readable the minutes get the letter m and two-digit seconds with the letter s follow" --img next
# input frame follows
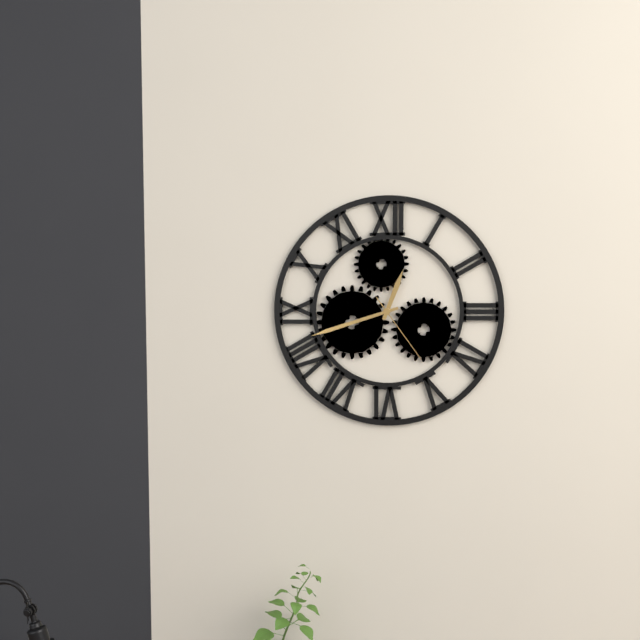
12h42m24s
